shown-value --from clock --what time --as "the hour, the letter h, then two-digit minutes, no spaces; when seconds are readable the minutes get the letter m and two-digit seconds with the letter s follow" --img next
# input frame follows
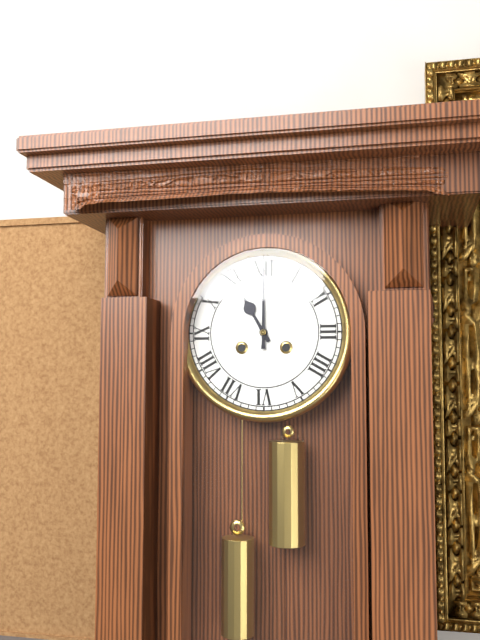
11h00
